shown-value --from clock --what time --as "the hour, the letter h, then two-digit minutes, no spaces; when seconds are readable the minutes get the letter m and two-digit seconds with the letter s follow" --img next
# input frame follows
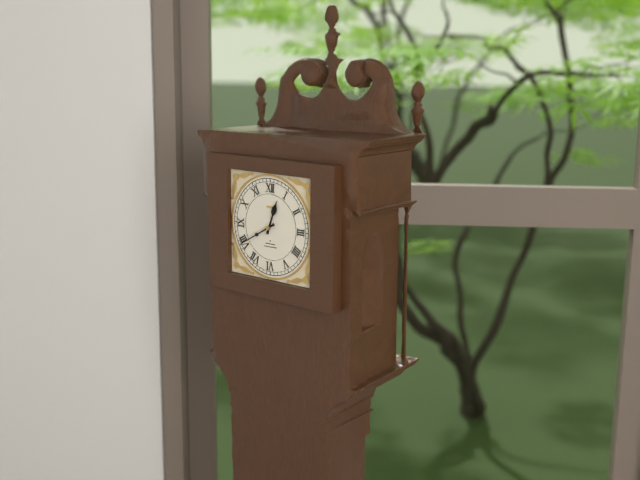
12h40
